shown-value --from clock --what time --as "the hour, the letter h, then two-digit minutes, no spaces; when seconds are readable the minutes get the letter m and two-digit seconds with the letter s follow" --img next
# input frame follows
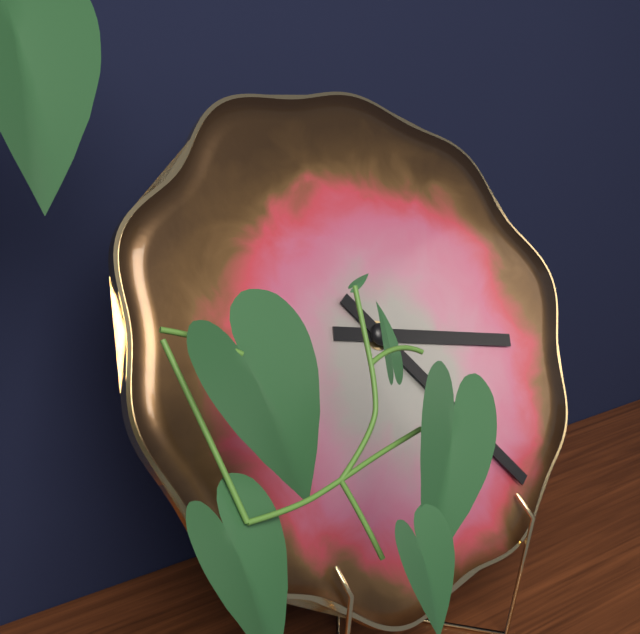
3h24
